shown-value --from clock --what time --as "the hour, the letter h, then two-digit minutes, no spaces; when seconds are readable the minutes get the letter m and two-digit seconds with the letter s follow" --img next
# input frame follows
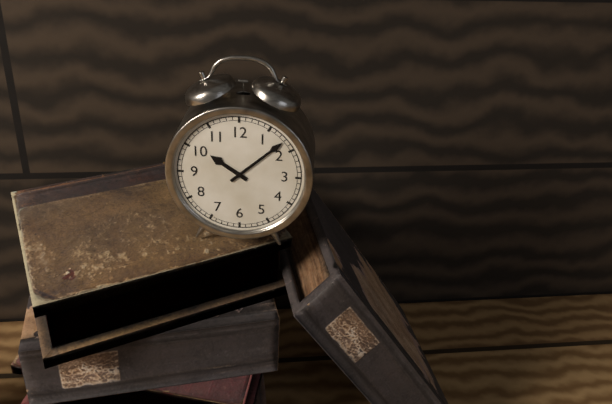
10h08
